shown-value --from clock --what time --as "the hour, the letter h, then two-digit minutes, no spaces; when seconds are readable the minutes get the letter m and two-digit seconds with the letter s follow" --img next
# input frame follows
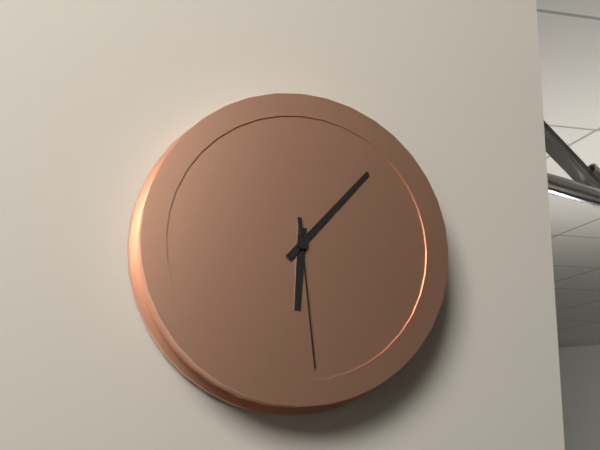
6h07m29s
